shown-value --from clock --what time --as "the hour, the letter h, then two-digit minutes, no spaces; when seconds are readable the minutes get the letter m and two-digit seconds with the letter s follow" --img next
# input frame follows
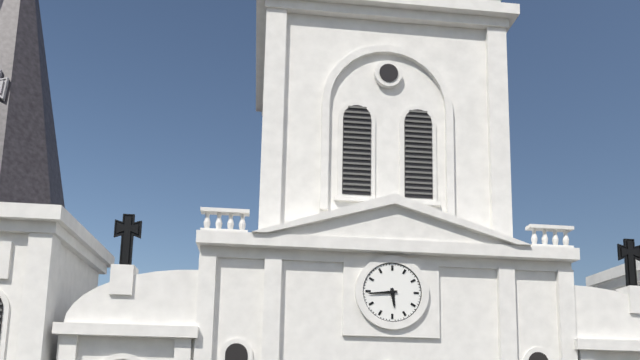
5h44
